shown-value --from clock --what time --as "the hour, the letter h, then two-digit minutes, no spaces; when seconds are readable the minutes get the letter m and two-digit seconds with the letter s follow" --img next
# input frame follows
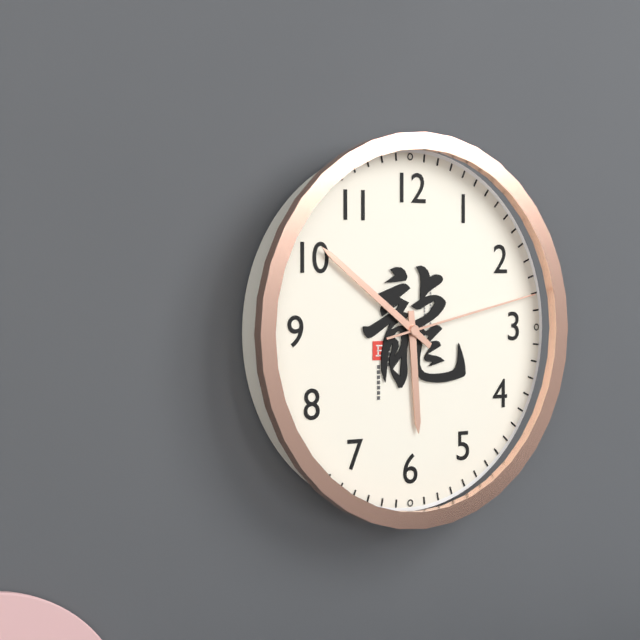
5h51m13s
